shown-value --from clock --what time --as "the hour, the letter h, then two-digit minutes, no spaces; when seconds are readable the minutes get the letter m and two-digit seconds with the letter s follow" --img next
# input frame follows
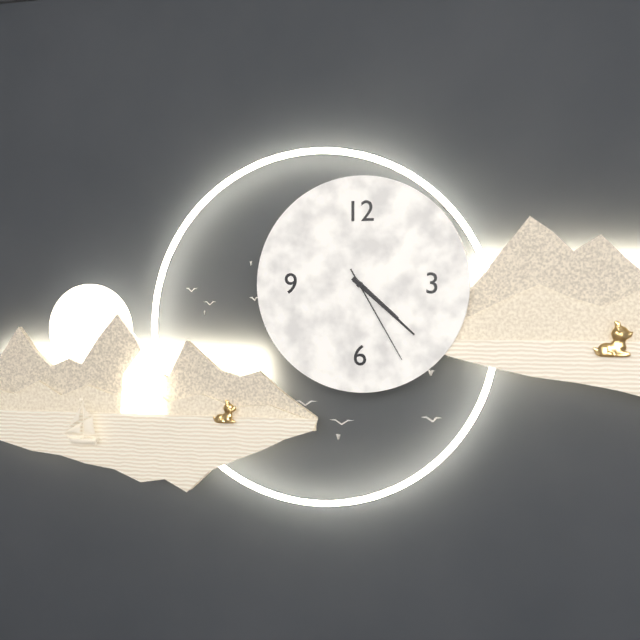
4h22m25s
